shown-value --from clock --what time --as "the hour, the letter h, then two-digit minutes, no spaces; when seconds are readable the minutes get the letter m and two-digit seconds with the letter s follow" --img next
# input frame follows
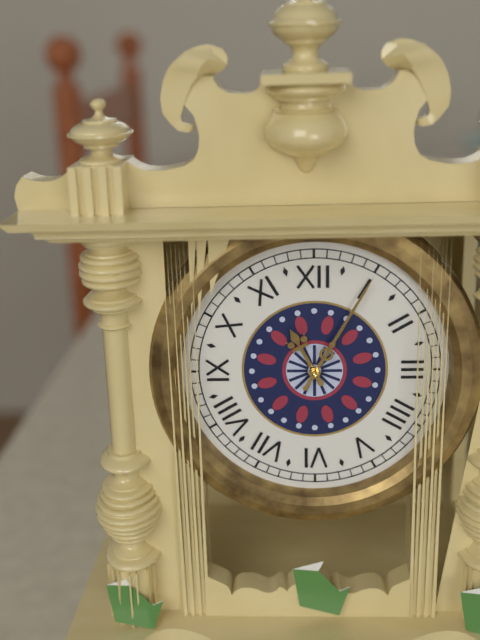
11h05
